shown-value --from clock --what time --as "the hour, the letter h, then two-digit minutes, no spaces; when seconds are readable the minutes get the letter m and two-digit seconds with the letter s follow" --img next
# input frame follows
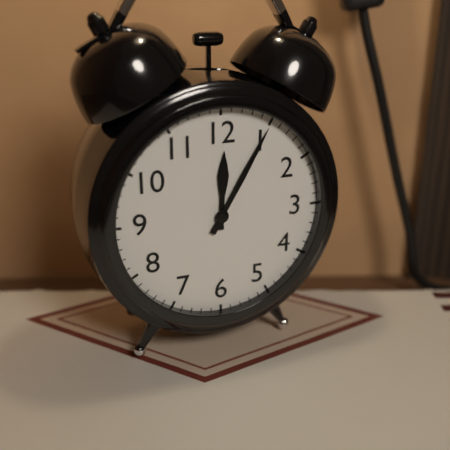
12h05
